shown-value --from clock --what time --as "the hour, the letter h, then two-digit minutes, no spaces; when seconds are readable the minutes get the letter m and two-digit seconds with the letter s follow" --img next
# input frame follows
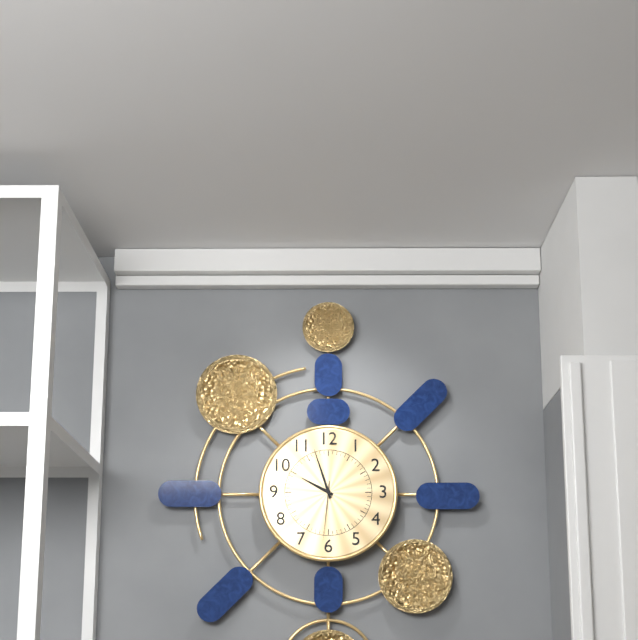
9h57m31s
